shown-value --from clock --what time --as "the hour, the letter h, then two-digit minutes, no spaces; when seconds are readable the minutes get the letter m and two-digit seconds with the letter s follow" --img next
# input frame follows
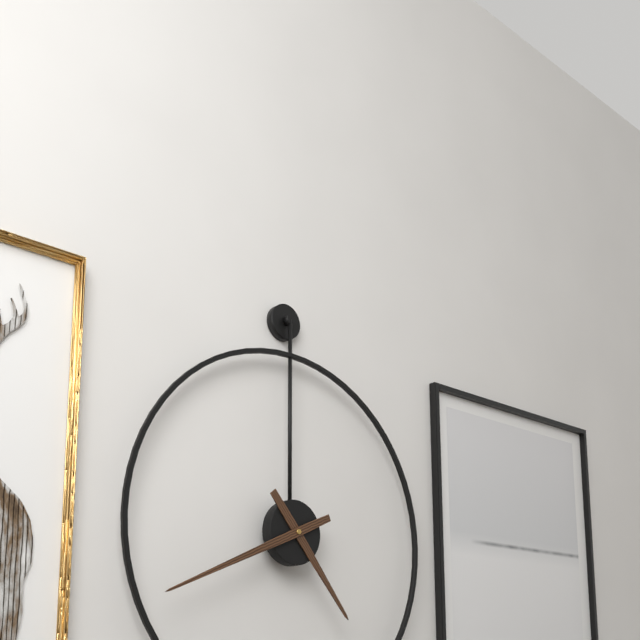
4h41
